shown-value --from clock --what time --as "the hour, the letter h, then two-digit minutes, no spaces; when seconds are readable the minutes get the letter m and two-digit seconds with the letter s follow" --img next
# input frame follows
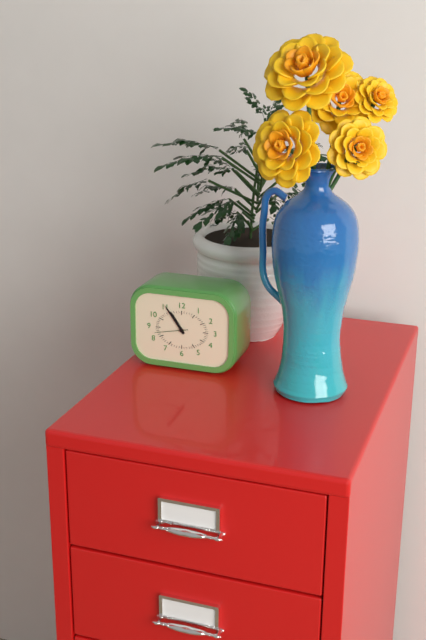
10h54
